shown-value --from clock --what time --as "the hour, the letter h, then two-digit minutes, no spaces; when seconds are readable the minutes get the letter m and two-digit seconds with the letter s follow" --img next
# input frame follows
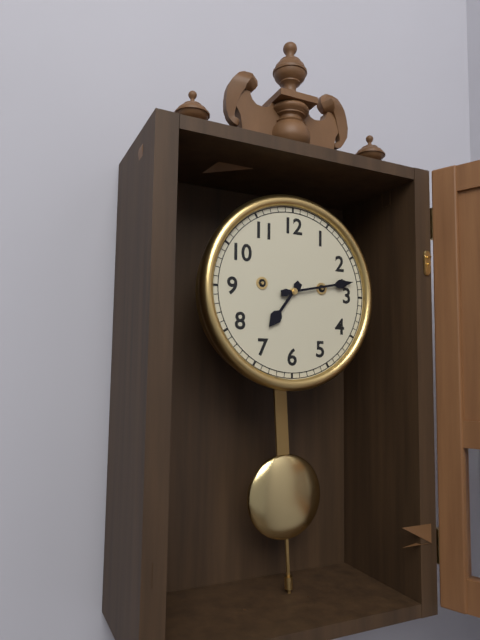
7h13
